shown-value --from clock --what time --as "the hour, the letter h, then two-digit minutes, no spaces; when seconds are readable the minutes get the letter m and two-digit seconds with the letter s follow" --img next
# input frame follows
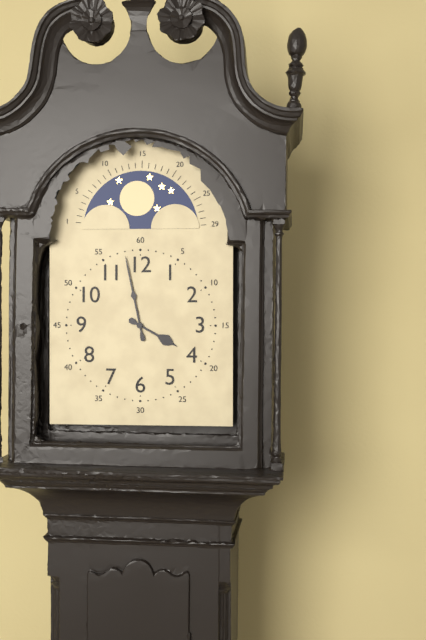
3h58
